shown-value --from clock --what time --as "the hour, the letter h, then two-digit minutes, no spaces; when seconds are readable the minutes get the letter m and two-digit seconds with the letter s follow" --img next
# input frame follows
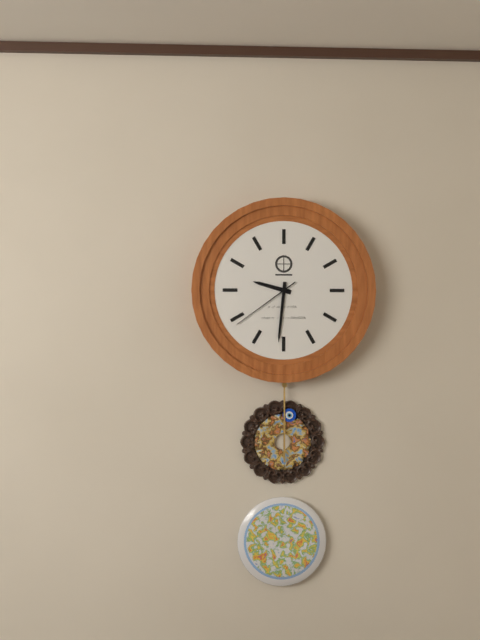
9h31m39s
